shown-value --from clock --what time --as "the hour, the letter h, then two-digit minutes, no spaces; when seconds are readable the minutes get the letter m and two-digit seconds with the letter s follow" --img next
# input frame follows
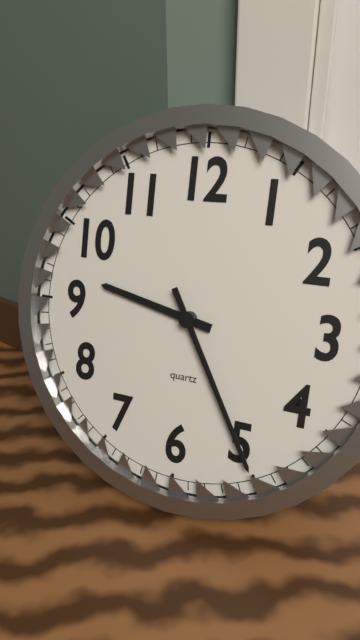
9h25
